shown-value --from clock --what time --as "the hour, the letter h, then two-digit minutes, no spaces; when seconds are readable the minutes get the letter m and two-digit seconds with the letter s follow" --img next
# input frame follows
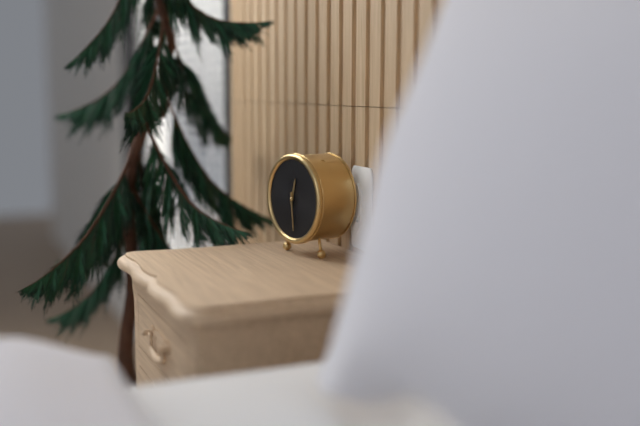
12h29
